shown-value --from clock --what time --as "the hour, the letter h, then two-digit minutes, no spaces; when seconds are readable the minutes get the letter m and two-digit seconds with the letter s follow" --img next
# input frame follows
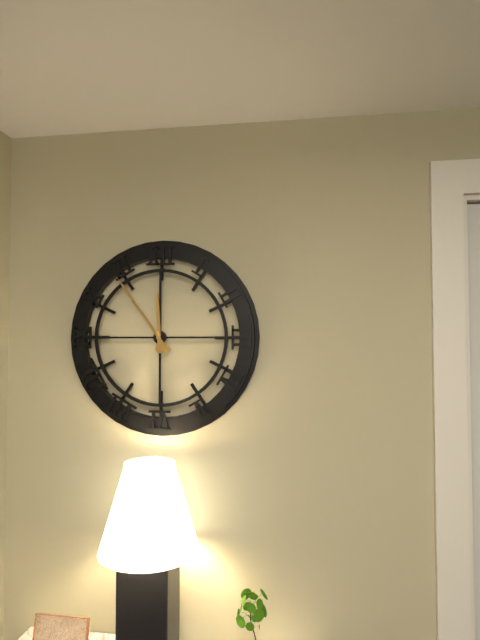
11h54
